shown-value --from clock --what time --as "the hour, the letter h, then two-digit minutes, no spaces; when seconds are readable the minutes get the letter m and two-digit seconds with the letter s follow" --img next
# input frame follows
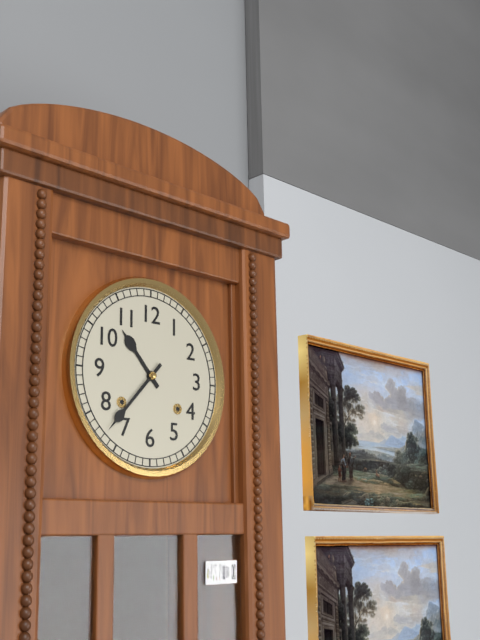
10h37
